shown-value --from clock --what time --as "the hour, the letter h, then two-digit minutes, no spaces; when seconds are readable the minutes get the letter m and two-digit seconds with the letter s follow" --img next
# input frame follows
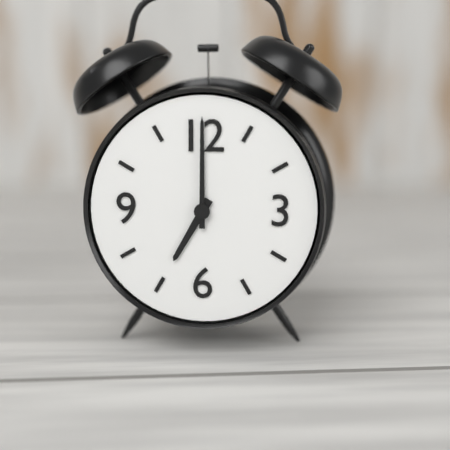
7h00
